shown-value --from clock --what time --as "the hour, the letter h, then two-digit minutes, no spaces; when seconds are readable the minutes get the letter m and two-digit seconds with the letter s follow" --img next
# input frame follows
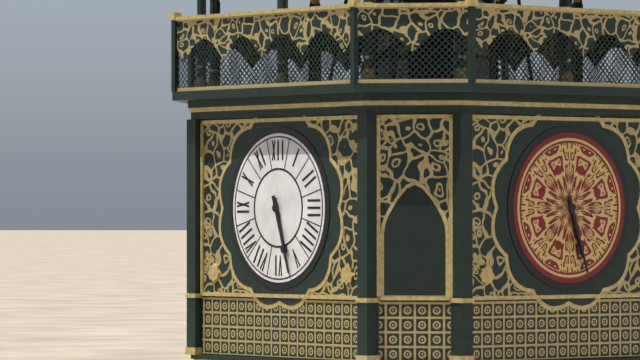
5h27
